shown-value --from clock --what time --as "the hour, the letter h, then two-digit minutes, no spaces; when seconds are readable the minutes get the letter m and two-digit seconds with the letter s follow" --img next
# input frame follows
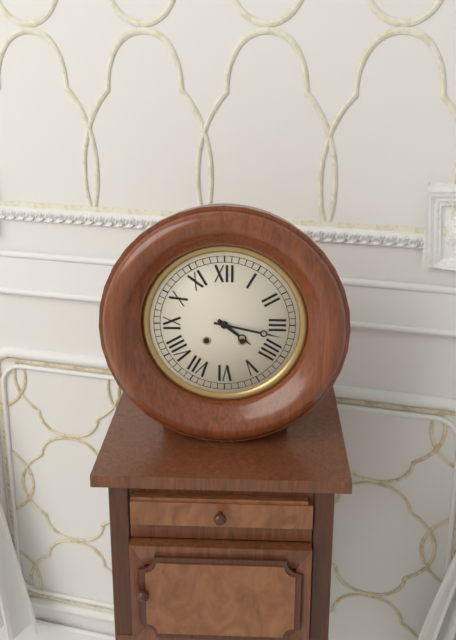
4h17
